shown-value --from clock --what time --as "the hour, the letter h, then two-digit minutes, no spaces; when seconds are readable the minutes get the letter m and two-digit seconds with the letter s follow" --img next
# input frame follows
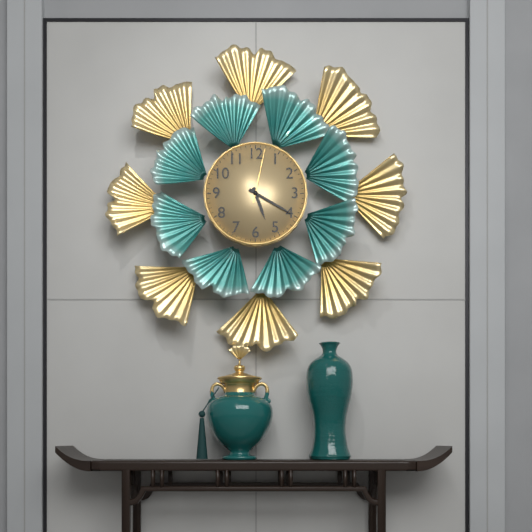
5h20m02s
